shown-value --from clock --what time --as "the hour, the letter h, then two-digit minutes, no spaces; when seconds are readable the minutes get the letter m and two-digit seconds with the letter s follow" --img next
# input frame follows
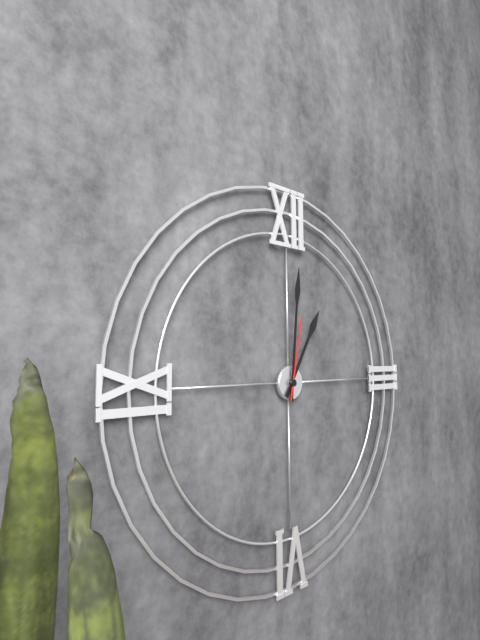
1h01m02s
